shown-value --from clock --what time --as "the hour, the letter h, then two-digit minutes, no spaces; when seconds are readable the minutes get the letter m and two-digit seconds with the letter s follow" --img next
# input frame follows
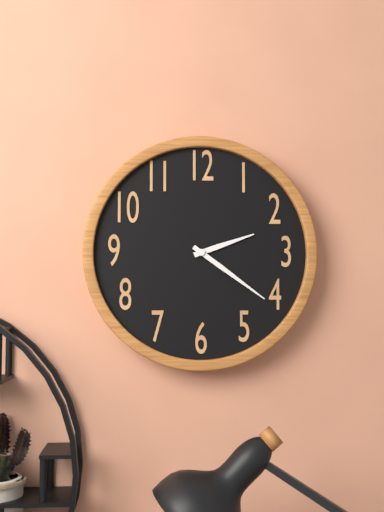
2h21
